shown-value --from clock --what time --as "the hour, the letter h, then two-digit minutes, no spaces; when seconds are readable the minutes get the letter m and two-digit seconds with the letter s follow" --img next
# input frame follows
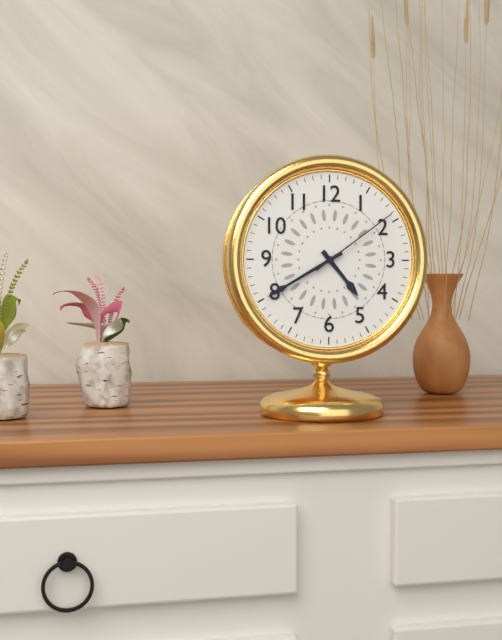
4h40m09s
